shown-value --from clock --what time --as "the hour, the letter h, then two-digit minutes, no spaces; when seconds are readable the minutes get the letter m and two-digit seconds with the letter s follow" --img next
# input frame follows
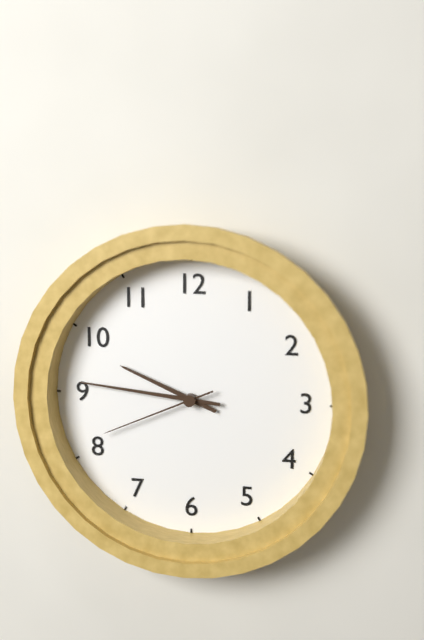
9h46m41s
